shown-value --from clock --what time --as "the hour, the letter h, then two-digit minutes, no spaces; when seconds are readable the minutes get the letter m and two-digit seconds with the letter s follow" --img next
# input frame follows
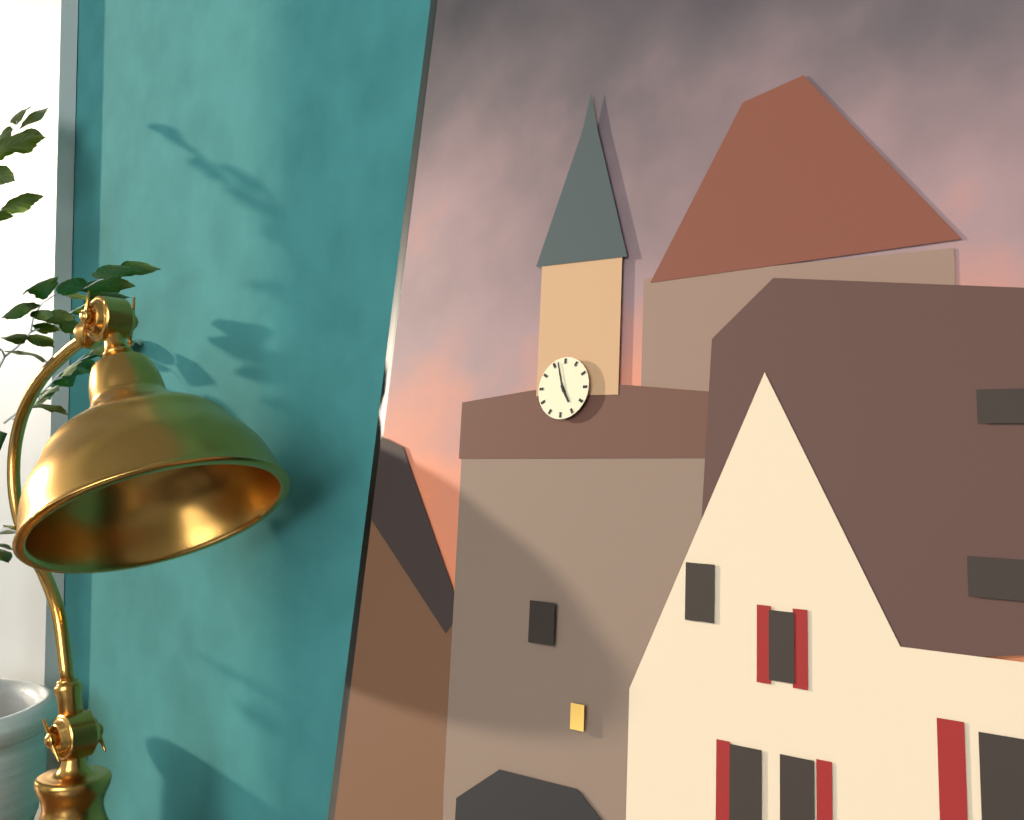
4h57
